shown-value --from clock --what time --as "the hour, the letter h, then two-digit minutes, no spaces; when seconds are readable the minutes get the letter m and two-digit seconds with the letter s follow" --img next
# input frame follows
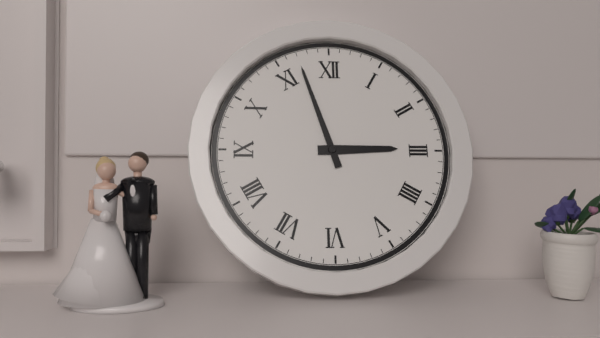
2h57
